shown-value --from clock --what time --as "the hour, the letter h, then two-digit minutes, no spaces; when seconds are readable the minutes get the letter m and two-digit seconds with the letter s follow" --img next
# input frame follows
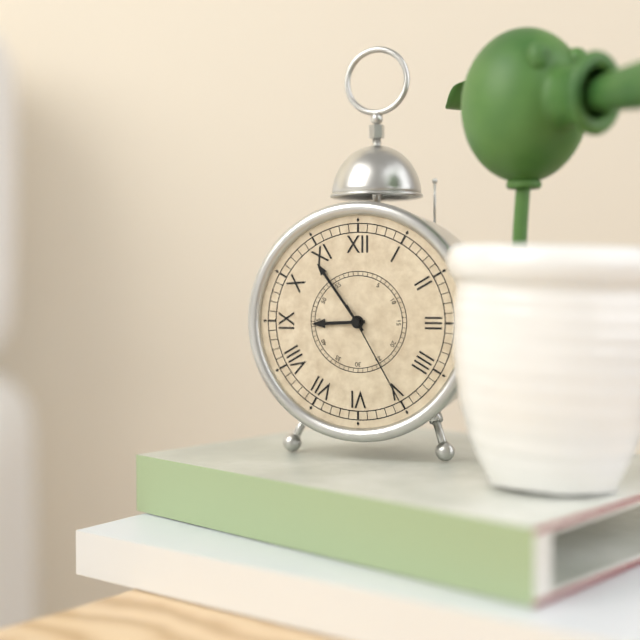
8h54m25s
